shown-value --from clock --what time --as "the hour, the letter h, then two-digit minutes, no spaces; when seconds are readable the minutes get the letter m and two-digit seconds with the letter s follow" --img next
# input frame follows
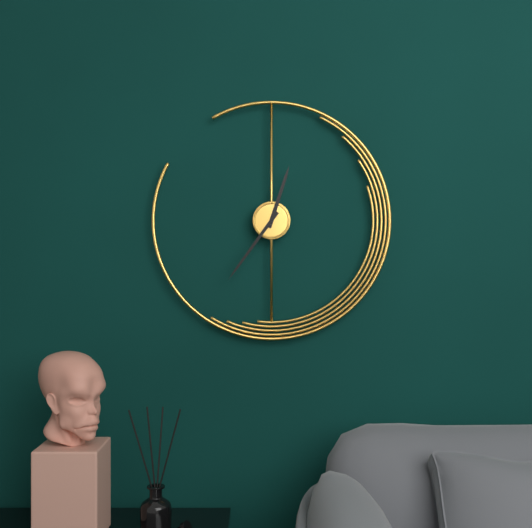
12h36
